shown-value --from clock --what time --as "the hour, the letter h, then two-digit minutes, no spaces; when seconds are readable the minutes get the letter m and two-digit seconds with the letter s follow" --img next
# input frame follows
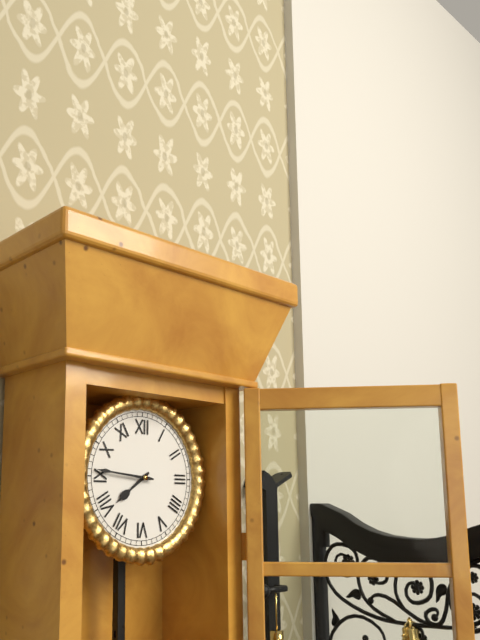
7h46
